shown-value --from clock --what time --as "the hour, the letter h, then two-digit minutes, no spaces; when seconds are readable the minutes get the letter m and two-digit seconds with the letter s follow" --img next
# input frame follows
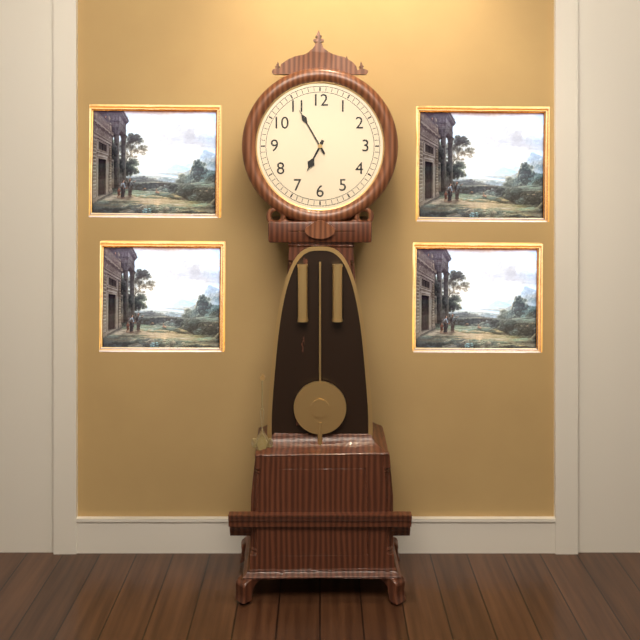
6h55
